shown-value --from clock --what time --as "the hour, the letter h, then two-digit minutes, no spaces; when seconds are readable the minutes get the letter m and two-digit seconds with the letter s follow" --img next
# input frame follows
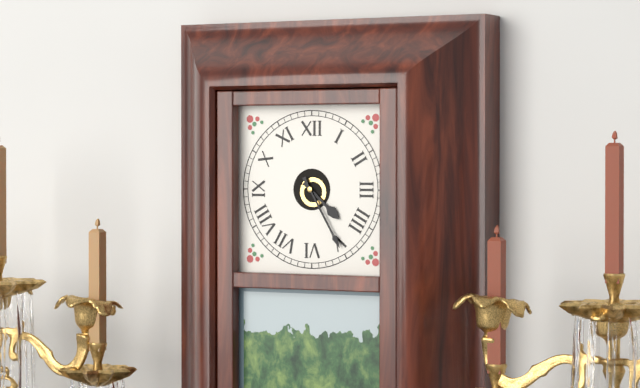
4h25
